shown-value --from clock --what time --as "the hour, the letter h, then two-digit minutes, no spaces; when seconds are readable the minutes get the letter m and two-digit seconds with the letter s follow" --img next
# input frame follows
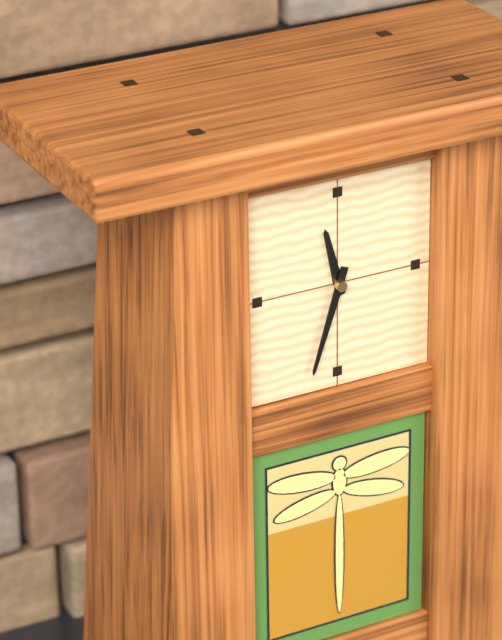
11h33
